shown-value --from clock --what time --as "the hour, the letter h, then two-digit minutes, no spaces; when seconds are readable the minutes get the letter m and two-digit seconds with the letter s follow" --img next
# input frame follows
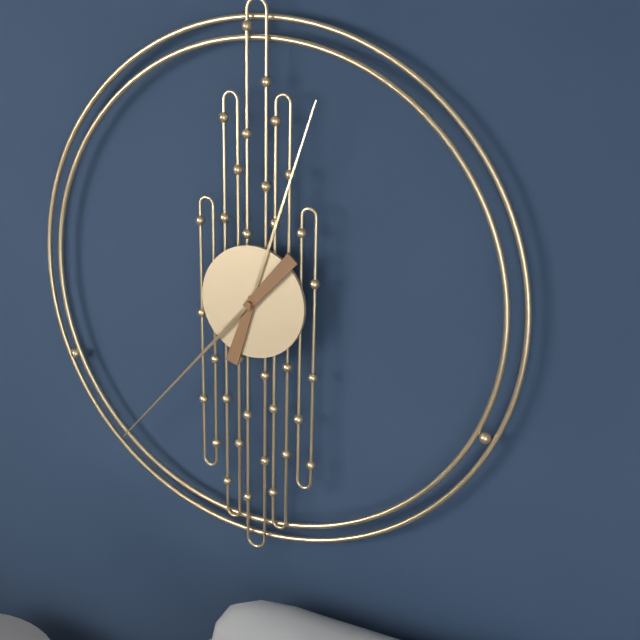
12h37
